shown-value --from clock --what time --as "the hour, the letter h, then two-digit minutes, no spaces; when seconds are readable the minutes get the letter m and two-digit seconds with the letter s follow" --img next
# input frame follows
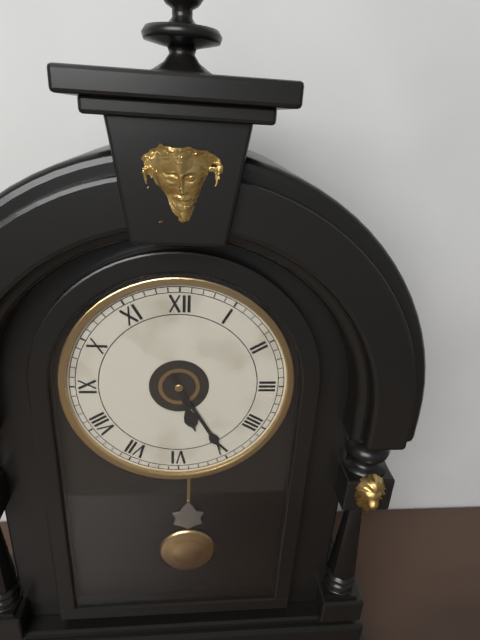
5h25
